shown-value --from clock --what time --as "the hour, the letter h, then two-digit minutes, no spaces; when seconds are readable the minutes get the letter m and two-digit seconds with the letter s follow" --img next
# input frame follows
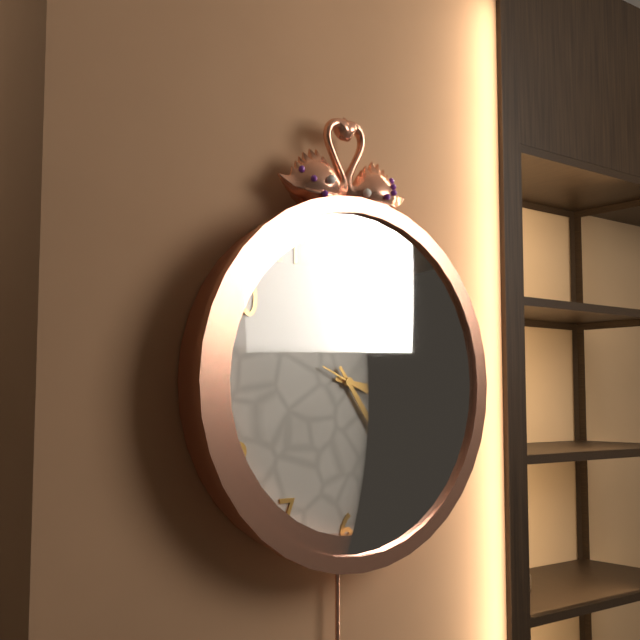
3h24m19s
